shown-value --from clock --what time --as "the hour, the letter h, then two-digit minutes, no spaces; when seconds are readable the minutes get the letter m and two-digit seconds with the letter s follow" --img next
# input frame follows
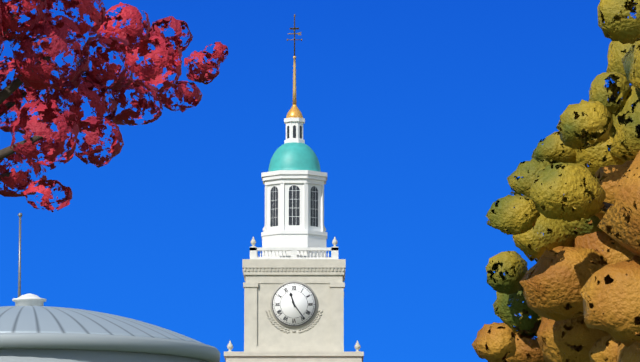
11h24
